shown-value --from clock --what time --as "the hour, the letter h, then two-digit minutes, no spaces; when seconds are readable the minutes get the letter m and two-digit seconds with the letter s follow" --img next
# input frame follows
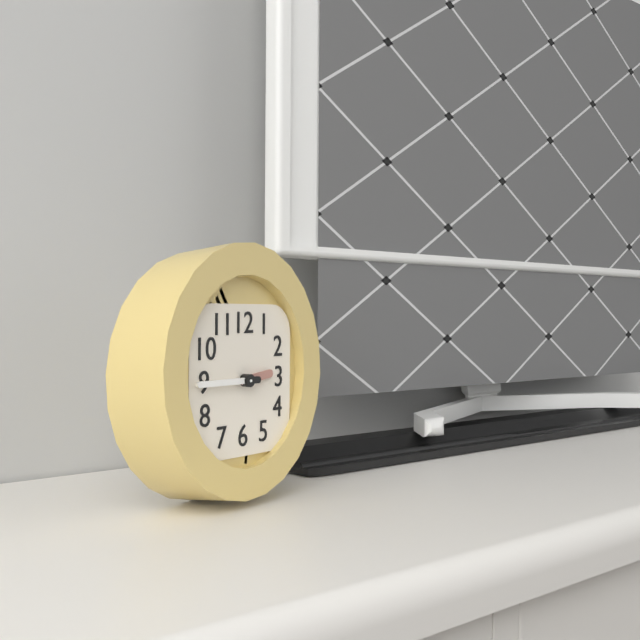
2h45
